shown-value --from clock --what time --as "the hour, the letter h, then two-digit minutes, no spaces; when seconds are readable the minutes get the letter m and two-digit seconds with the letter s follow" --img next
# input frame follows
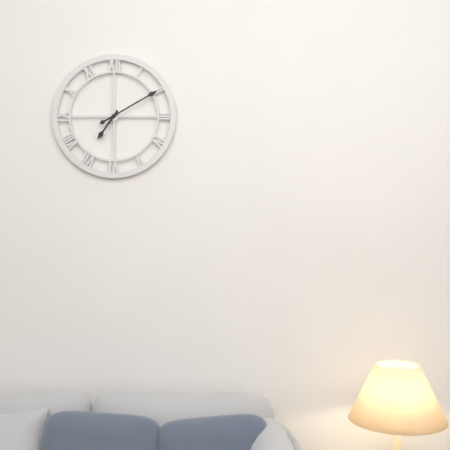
7h10
